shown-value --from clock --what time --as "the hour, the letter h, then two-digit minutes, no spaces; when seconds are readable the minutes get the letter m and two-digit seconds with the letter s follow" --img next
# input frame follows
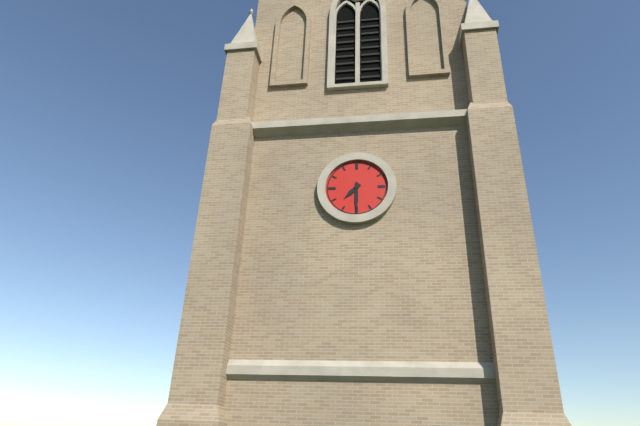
7h30
